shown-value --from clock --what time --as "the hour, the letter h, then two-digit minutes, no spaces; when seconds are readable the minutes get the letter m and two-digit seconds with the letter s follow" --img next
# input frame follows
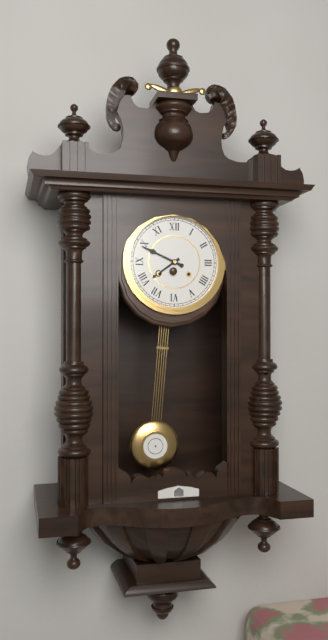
7h49
